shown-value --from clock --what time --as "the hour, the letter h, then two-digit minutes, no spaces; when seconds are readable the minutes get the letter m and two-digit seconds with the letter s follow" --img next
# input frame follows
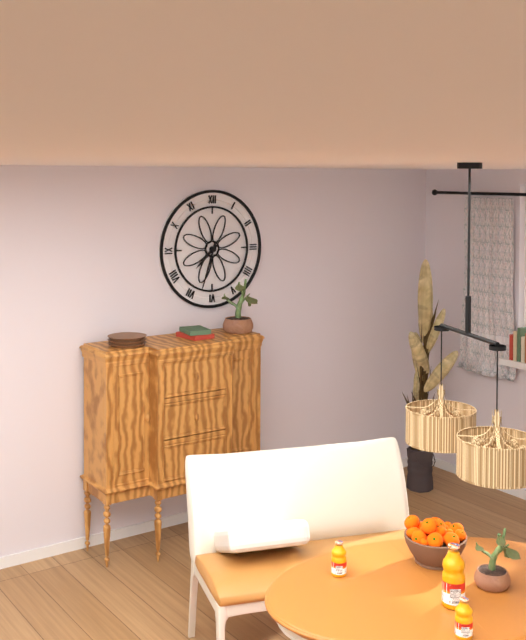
7h33
